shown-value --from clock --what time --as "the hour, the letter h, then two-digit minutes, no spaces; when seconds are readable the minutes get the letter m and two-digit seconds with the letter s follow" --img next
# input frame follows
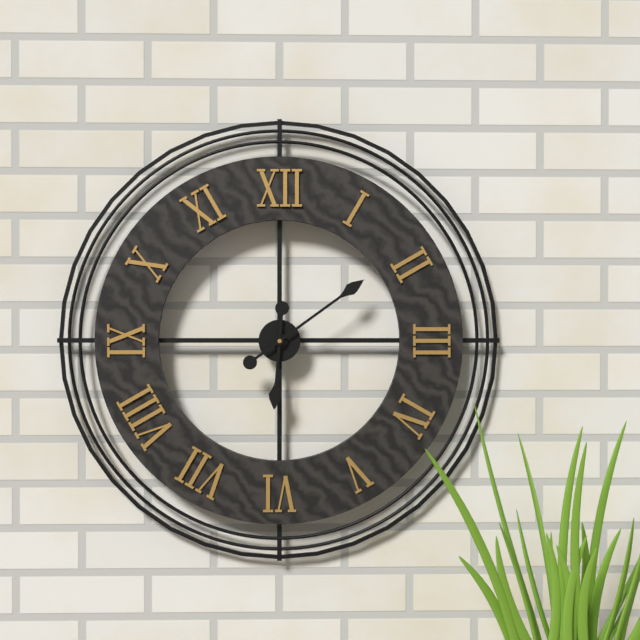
6h09
